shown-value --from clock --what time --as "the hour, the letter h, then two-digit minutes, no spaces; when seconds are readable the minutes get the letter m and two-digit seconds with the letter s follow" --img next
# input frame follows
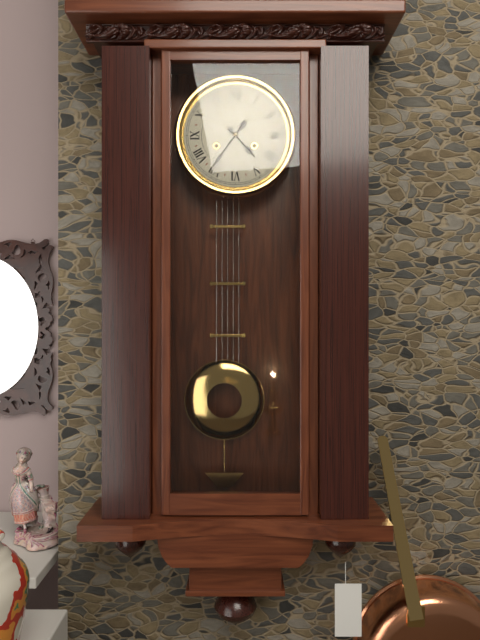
4h36
